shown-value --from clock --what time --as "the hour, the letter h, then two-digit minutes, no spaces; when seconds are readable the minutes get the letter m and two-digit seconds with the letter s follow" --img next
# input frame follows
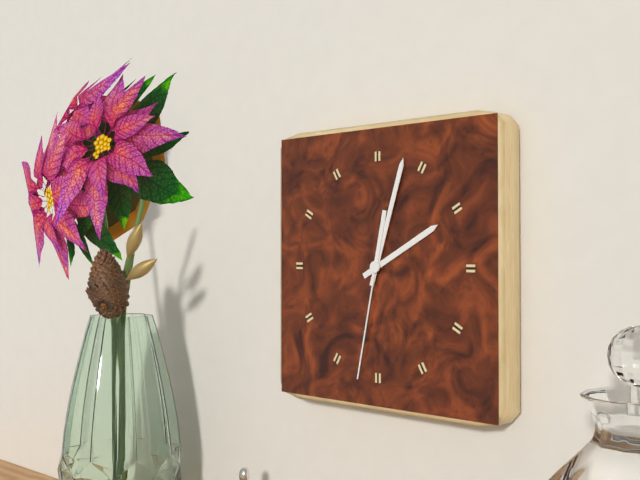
2h03m32s
